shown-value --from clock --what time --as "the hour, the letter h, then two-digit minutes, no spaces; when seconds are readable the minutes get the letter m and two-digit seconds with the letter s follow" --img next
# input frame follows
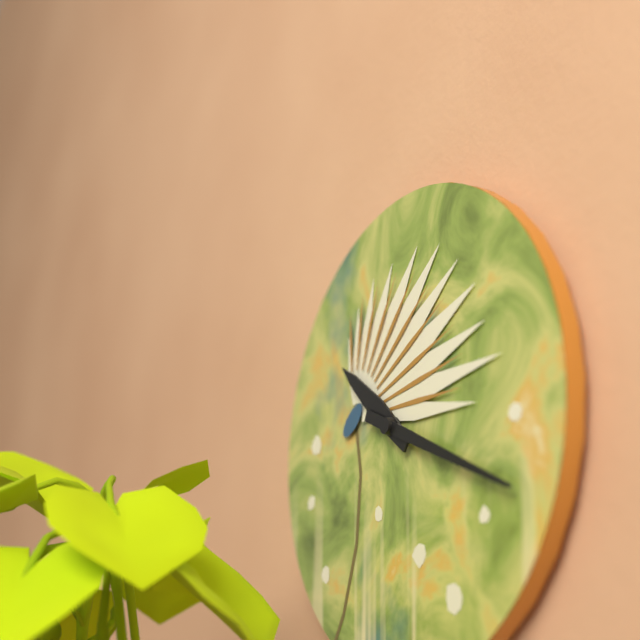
10h19
